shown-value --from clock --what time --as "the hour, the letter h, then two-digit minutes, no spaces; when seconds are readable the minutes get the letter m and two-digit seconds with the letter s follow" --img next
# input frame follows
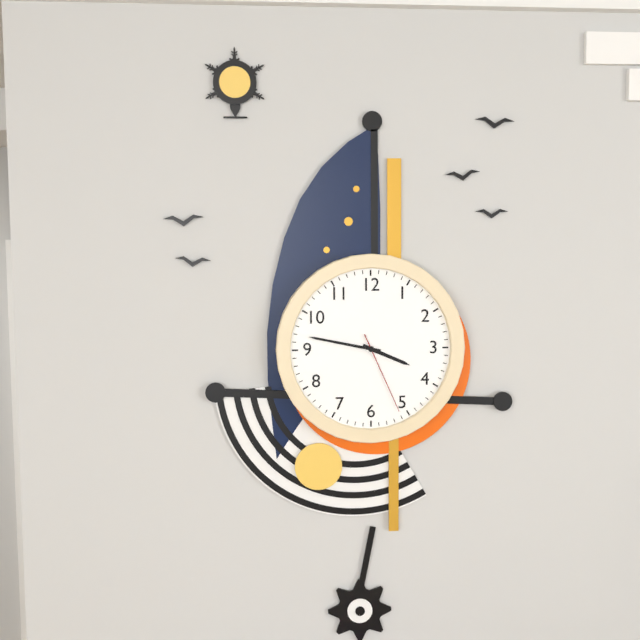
3h47m26s
